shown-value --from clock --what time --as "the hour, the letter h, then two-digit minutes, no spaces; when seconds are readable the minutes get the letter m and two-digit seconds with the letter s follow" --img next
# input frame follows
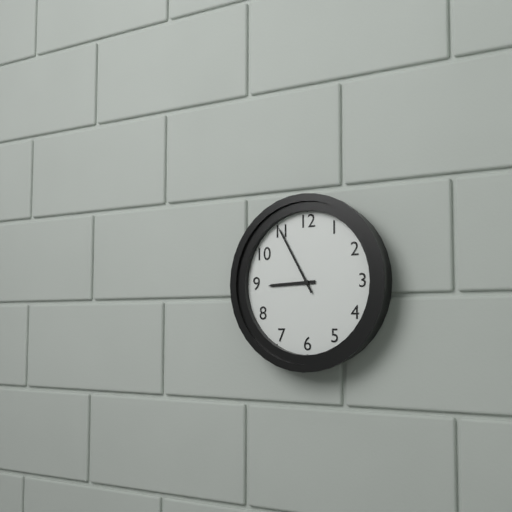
8h55
